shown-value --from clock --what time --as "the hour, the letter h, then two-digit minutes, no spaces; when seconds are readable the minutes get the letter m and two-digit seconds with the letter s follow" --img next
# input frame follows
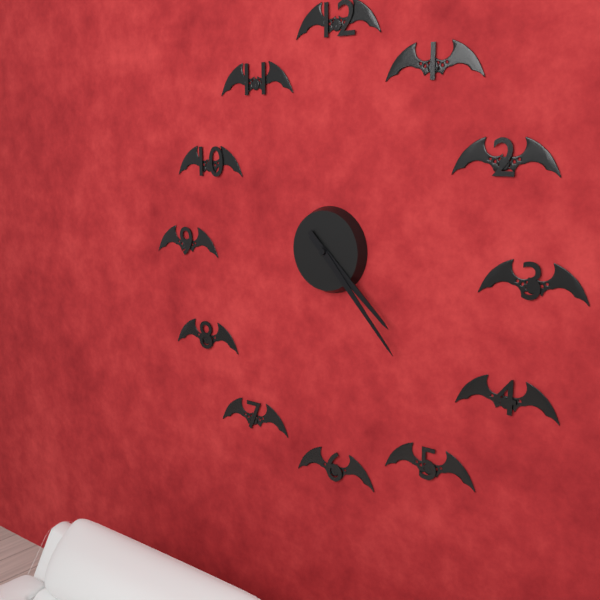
4h23
